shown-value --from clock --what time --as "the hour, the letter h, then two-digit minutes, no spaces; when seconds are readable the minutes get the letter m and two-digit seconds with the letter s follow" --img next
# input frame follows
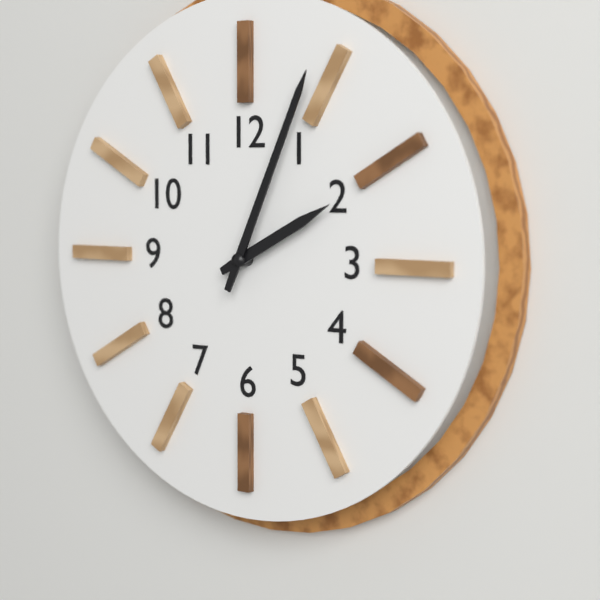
2h04
